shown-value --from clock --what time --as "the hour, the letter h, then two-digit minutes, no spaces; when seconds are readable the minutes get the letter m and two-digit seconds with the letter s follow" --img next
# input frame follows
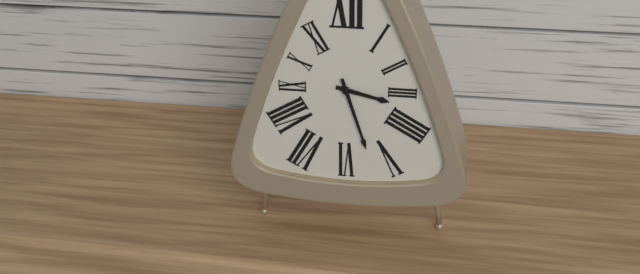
3h27
